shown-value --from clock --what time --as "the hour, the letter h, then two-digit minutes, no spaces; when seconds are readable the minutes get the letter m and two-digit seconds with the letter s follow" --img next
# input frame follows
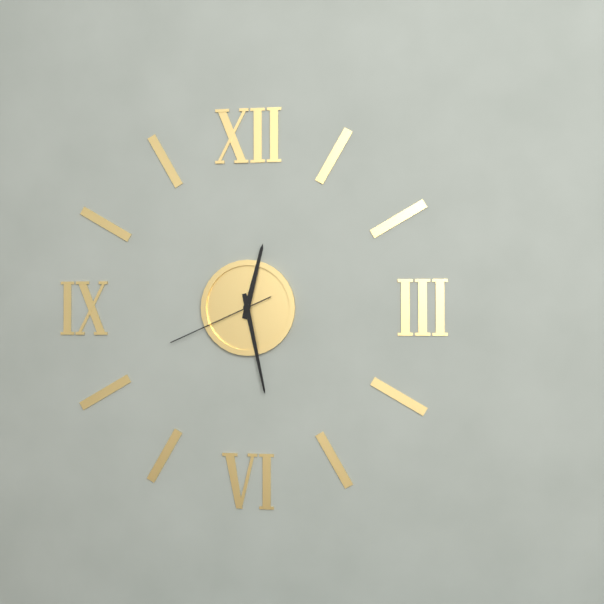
12h28m41s
